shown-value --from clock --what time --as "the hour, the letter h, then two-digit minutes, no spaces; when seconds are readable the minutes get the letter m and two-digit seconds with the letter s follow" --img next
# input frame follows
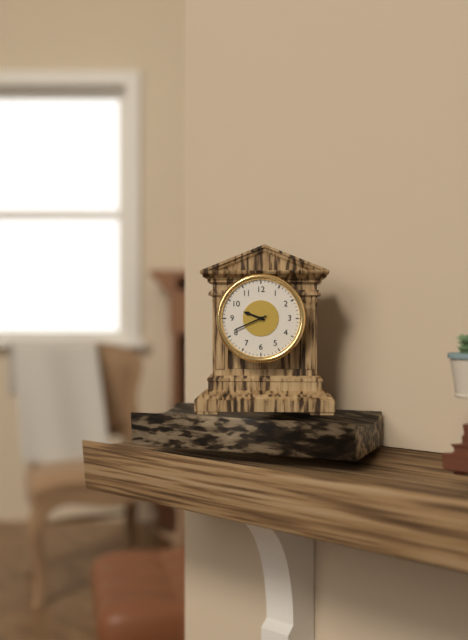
9h41
